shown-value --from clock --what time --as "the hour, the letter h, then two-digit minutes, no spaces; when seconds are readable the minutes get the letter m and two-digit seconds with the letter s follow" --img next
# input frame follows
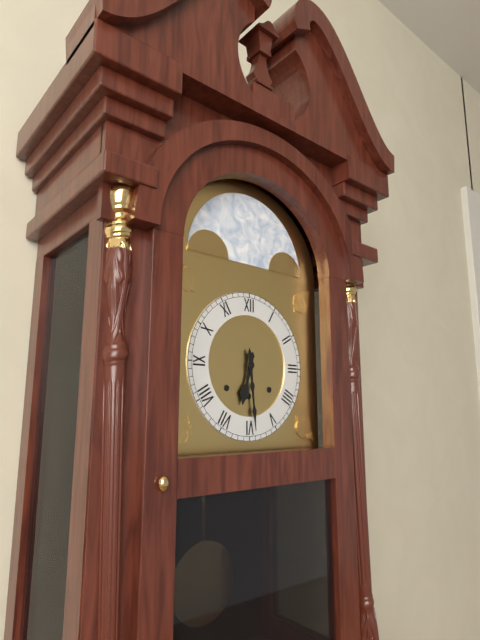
6h29
